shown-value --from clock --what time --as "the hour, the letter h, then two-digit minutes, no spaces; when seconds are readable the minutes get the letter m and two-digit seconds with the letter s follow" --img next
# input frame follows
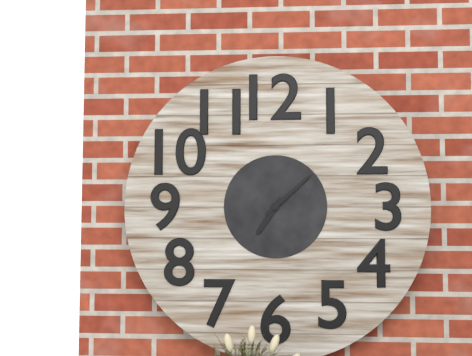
7h08
